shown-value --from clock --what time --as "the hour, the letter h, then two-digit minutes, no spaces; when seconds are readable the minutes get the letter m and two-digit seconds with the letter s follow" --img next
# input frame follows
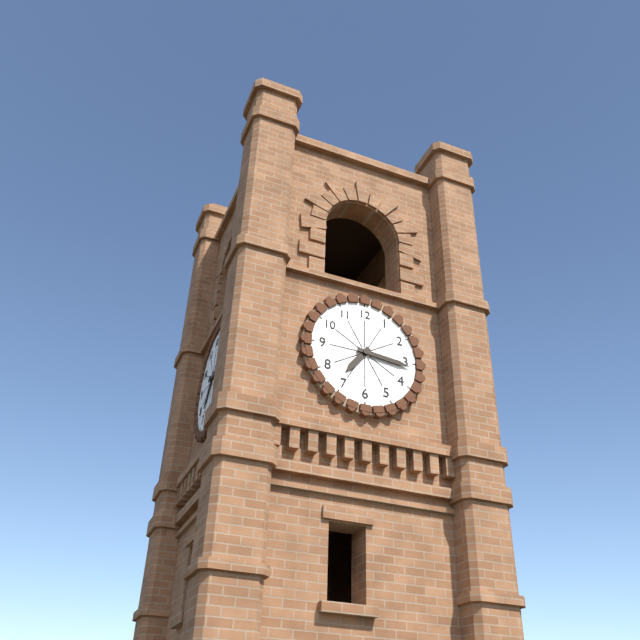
7h16
